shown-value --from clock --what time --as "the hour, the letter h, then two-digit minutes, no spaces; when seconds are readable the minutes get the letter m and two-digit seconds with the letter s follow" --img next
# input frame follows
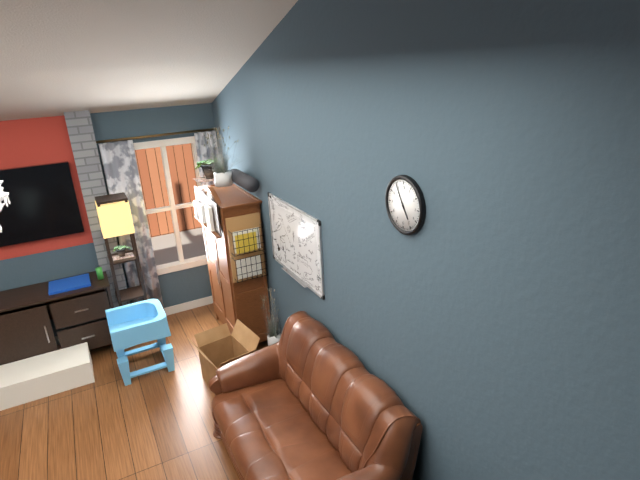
4h55
